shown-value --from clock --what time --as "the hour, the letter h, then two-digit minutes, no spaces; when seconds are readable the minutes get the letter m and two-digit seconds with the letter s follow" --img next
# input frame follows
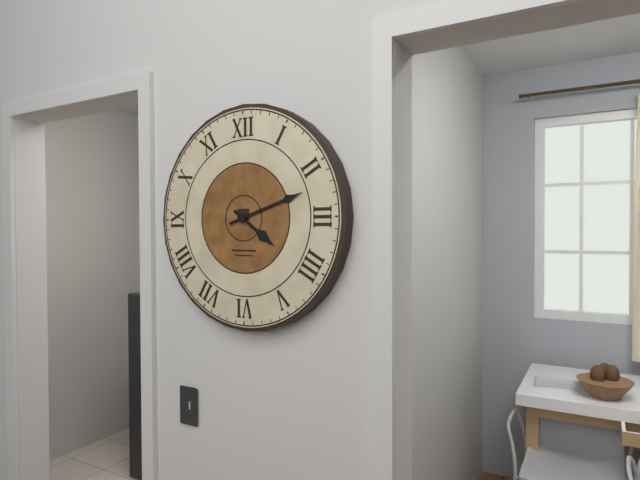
4h12
